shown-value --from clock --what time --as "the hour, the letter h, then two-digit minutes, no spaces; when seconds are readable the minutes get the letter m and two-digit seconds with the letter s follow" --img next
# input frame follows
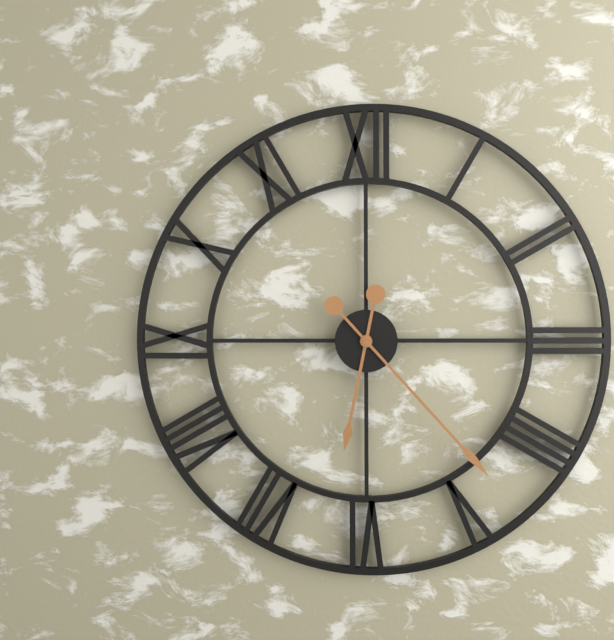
6h23
